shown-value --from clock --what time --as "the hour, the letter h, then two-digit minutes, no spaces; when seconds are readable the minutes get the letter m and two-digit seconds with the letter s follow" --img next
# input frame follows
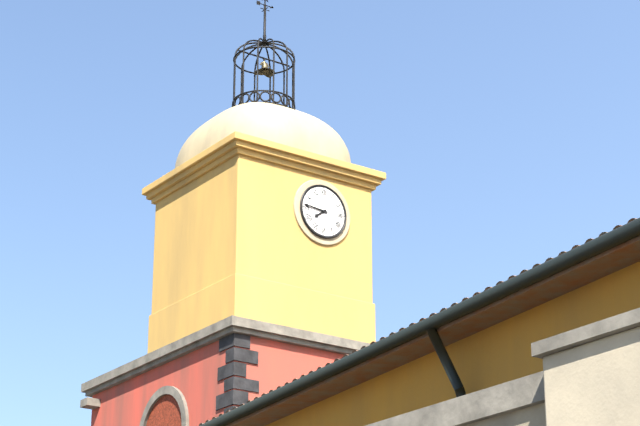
7h46
